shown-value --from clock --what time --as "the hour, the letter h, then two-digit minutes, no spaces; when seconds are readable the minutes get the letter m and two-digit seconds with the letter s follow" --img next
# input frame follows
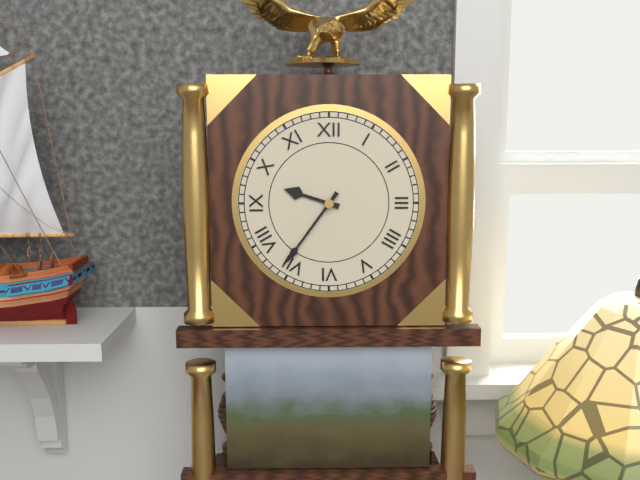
9h36
